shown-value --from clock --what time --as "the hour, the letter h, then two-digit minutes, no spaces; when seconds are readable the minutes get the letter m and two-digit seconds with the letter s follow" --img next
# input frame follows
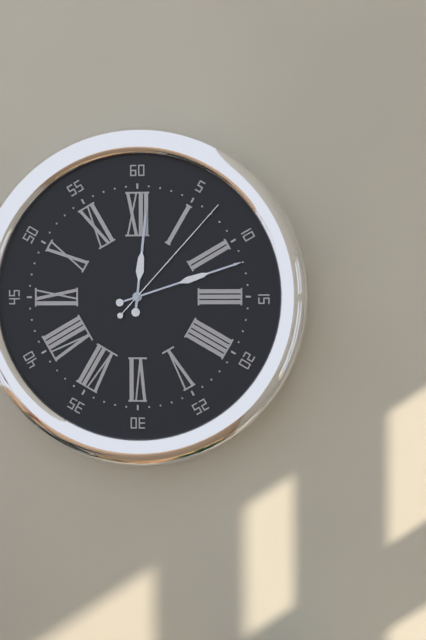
12h12m07s
